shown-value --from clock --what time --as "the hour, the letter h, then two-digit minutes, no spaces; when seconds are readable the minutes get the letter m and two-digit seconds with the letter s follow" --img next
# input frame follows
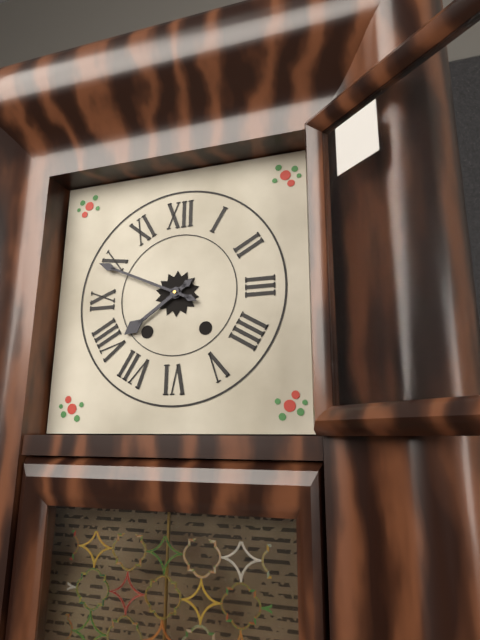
7h49
